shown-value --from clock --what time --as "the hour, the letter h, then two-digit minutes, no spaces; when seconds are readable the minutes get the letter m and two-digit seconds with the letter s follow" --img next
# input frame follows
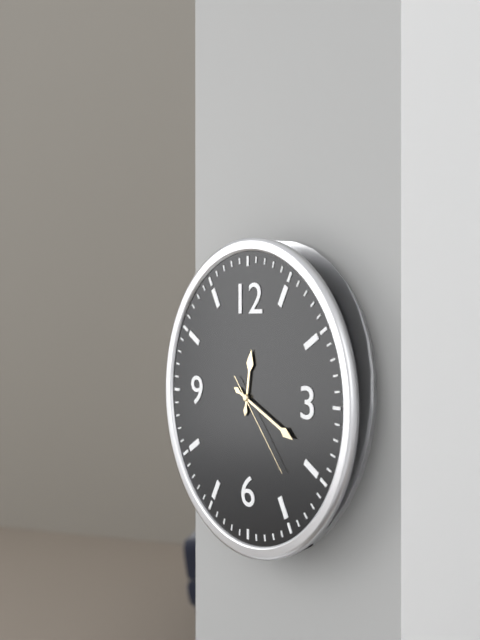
12h19m23s
